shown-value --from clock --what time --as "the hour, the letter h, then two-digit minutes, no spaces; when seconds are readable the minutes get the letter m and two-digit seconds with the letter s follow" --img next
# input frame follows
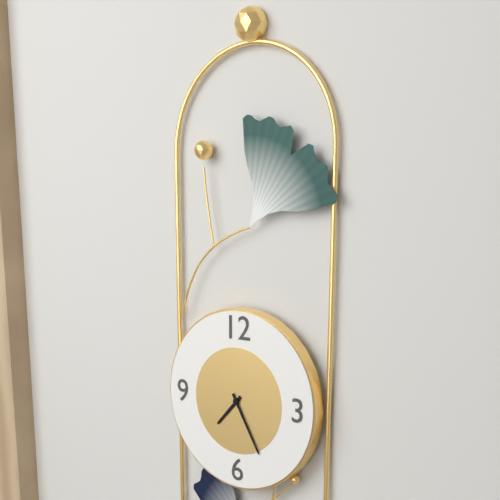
7h25
